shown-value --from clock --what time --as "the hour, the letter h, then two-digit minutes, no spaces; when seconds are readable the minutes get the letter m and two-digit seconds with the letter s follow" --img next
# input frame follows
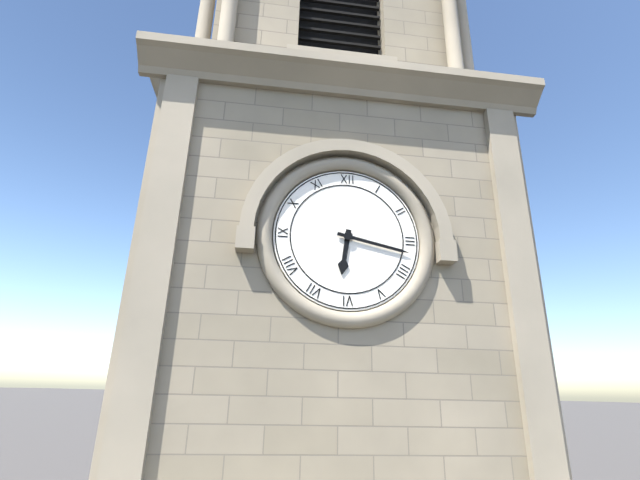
6h17
